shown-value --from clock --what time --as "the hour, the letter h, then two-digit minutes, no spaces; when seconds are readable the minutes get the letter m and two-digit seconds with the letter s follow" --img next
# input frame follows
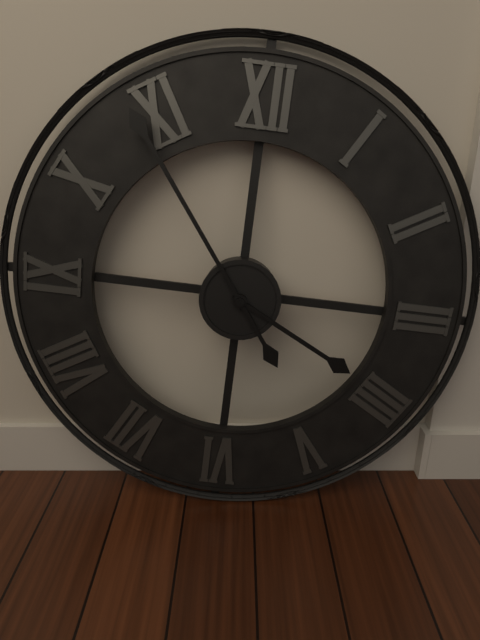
3h54
